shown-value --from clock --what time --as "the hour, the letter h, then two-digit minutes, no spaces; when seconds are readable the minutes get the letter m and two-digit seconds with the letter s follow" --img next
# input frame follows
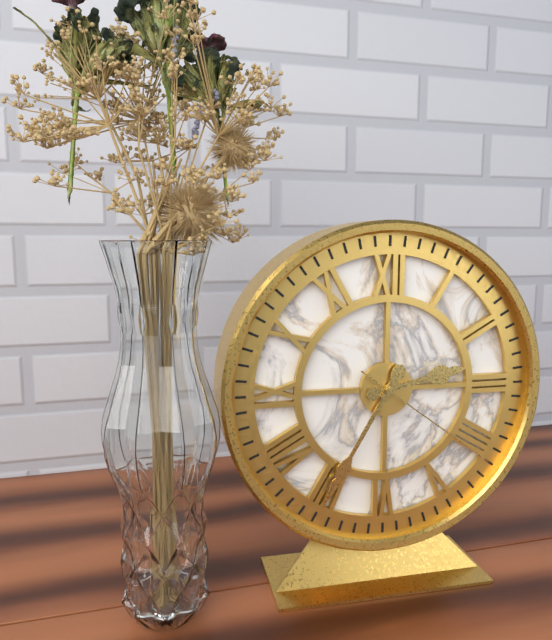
2h35m21s
